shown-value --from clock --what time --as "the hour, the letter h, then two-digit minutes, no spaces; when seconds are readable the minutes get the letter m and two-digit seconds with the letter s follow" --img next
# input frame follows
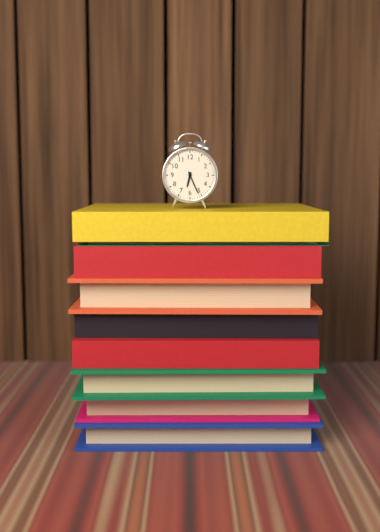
6h26
